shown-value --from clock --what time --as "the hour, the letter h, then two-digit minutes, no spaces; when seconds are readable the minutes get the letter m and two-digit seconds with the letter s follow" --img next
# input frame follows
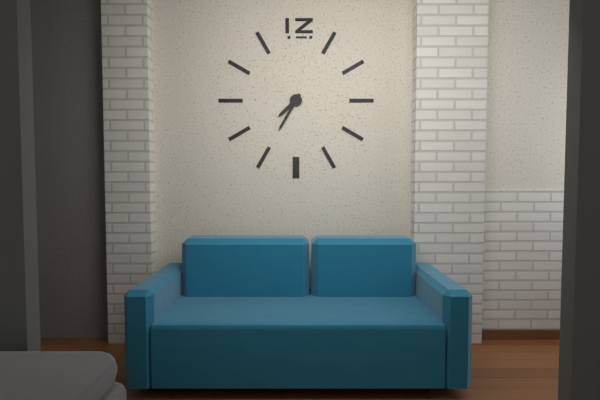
7h35
